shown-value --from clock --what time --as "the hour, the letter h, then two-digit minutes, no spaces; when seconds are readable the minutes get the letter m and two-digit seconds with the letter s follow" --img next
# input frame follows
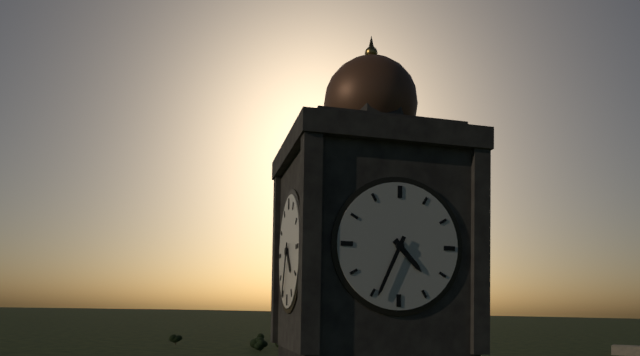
4h34
